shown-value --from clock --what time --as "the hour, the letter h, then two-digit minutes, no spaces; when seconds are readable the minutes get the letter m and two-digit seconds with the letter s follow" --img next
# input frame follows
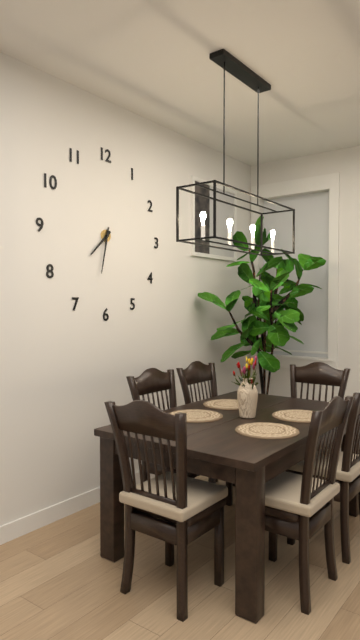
7h32
